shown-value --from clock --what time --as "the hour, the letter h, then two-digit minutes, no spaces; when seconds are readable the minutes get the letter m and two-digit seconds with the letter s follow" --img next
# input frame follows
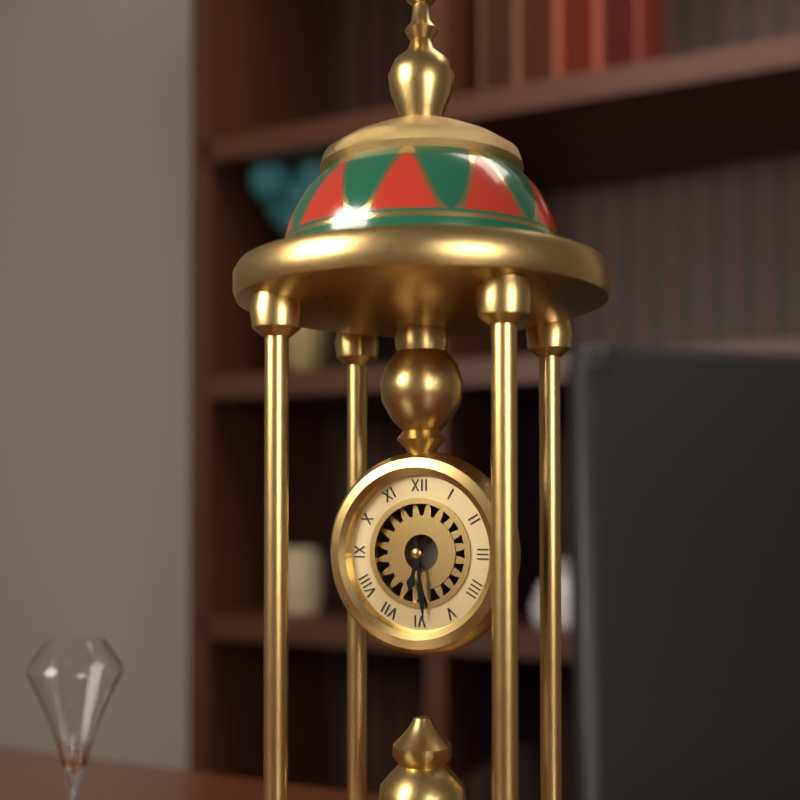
6h29
